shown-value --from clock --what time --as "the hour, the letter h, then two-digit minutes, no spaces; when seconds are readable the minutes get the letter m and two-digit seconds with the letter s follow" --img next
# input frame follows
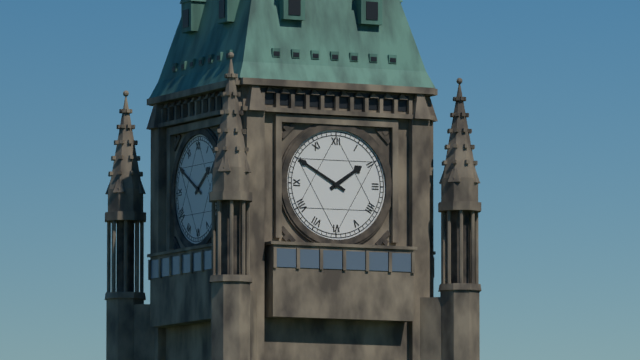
1h50
